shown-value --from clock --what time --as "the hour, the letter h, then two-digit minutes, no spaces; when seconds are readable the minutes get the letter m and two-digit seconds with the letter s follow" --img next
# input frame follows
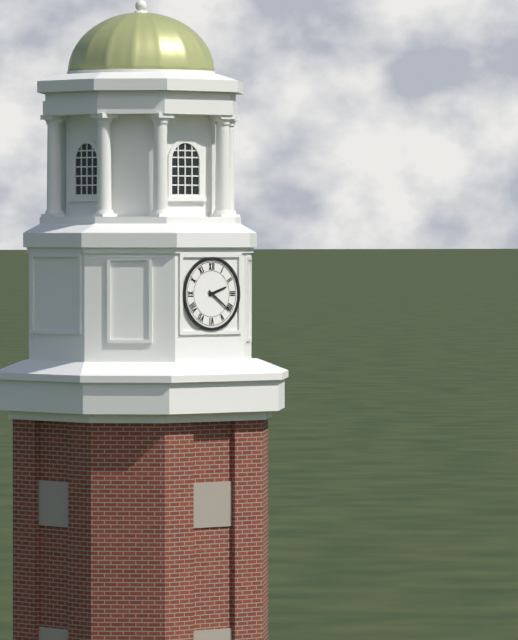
2h21
